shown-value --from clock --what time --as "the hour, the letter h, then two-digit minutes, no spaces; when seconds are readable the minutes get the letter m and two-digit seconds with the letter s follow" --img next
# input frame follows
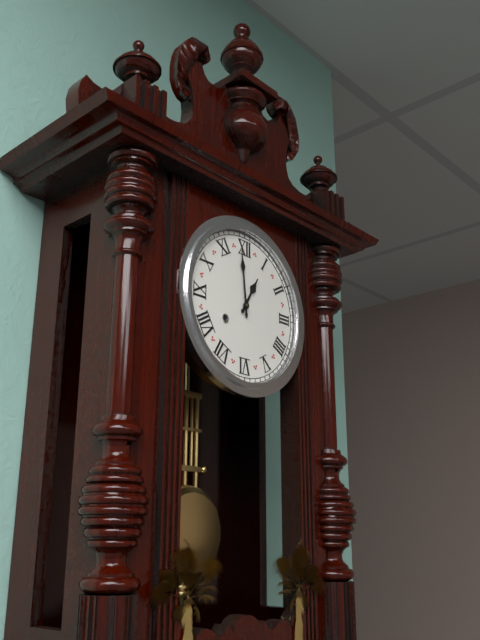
12h59
